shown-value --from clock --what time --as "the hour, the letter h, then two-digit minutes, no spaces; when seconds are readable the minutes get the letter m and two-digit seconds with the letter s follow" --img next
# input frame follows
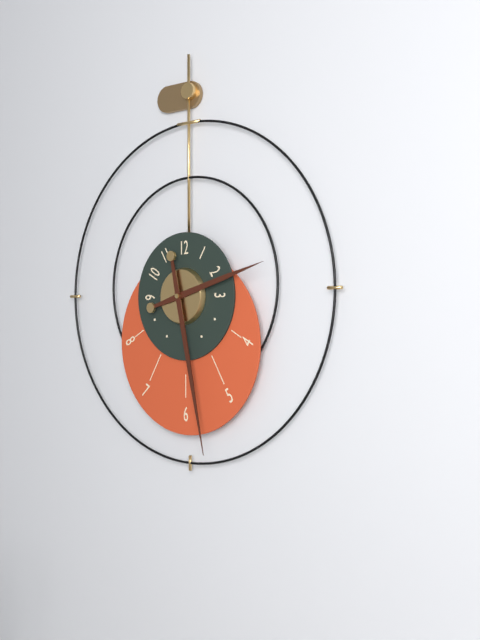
2h28
